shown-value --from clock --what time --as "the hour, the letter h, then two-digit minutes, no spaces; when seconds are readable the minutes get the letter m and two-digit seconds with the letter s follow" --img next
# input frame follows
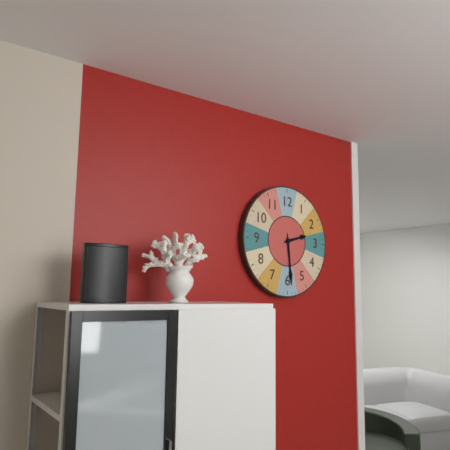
2h29
